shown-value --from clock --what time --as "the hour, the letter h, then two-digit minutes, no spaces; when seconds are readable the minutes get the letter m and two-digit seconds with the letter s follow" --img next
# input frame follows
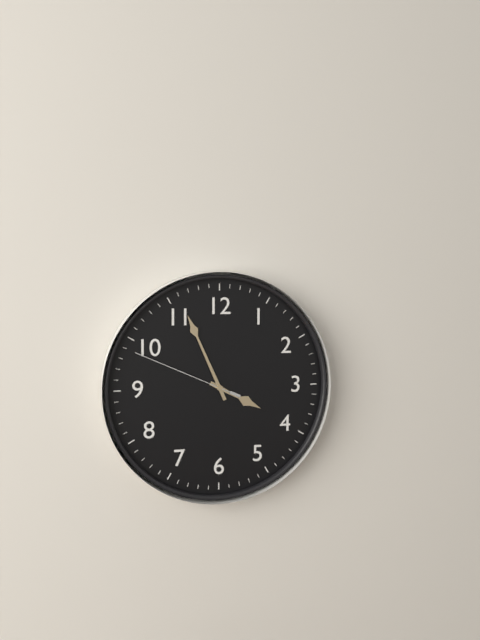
3h56m49s
